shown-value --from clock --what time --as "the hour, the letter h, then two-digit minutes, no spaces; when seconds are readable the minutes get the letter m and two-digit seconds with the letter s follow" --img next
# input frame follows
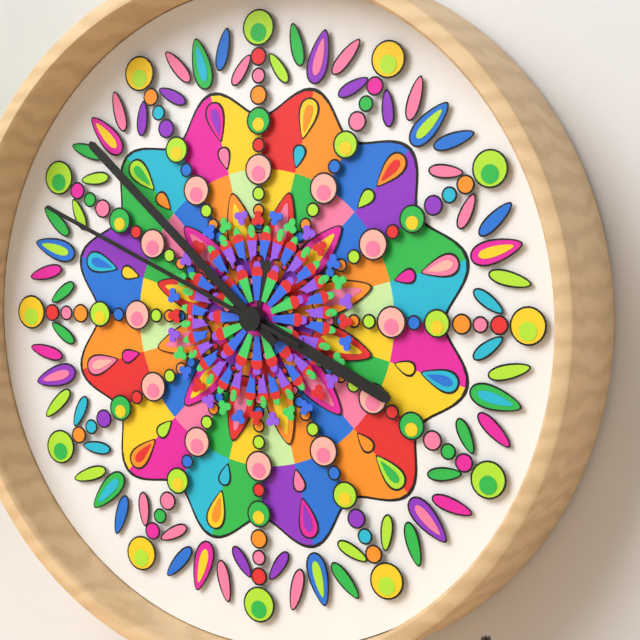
3h52m49s
